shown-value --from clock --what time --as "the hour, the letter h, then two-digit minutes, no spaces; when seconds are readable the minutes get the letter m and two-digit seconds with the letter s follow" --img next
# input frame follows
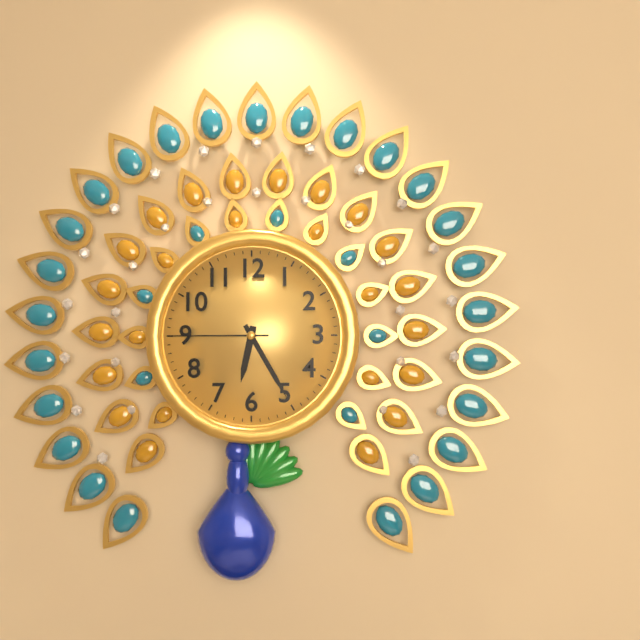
6h25m45s
